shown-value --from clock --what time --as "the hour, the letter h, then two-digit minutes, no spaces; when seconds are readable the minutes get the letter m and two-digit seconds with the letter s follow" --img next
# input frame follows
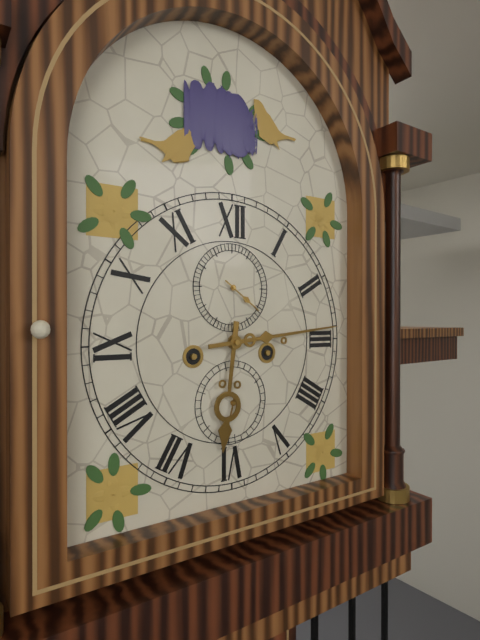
6h14
